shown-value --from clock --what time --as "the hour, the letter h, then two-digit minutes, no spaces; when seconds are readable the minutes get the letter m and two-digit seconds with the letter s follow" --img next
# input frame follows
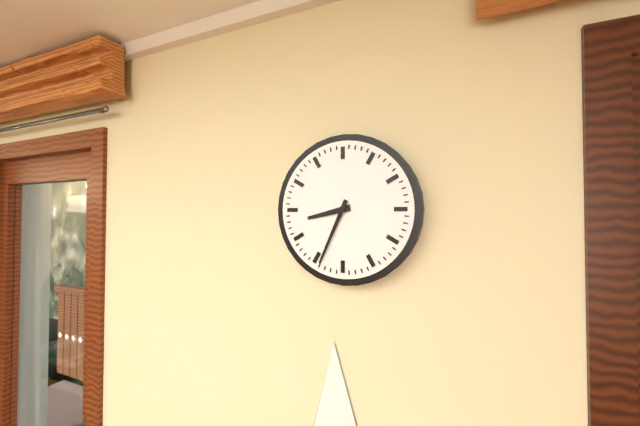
8h34
